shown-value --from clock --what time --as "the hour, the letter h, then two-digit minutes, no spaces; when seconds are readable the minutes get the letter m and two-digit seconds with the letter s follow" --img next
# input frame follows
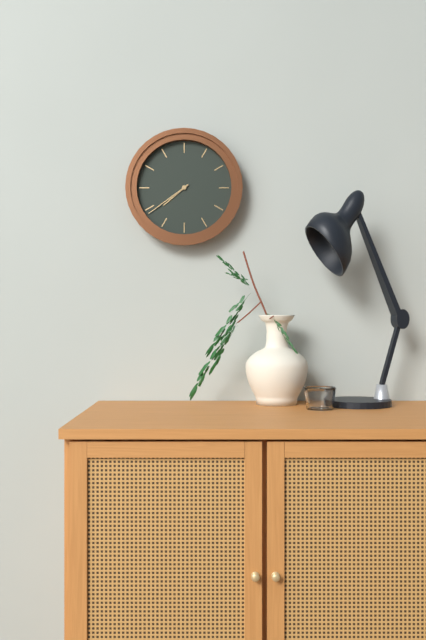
7h39
